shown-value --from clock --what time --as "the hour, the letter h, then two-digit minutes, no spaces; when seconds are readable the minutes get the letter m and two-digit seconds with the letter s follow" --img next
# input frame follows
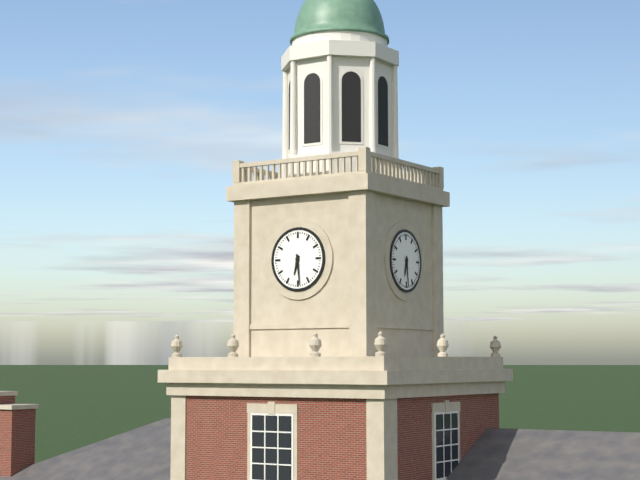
6h29
